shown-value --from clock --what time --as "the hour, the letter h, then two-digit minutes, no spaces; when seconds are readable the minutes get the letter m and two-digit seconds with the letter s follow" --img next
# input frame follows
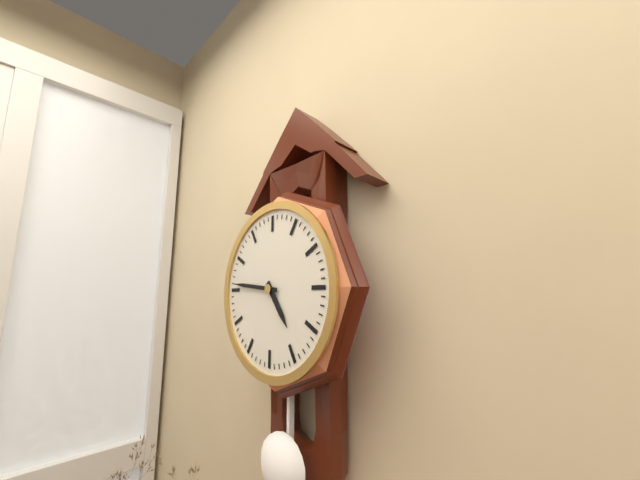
4h46
